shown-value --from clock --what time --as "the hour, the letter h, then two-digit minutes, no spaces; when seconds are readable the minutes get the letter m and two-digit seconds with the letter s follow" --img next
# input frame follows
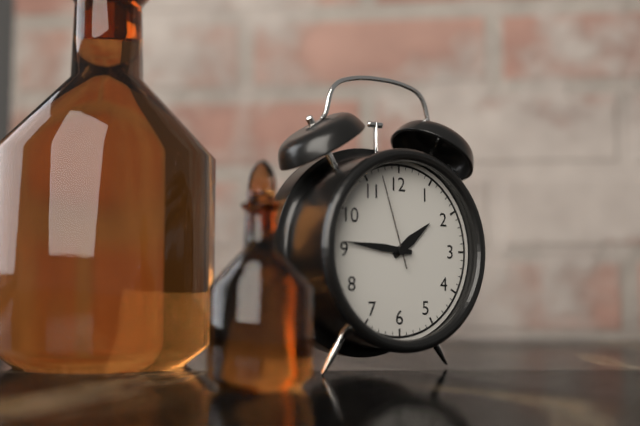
1h46m57s
